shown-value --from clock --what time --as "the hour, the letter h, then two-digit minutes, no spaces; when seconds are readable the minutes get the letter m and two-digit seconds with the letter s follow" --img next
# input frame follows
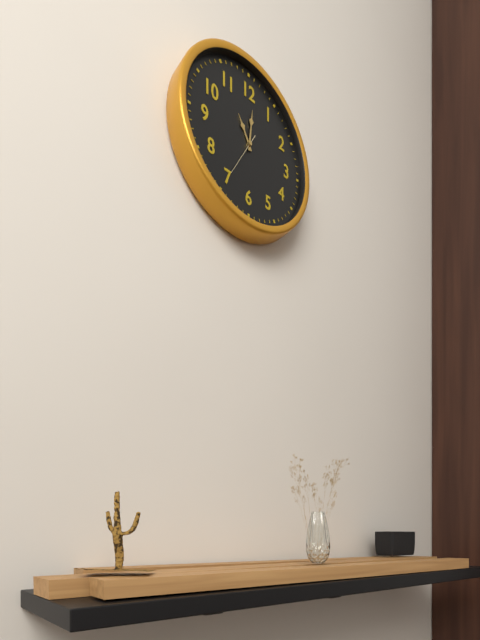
11h01
